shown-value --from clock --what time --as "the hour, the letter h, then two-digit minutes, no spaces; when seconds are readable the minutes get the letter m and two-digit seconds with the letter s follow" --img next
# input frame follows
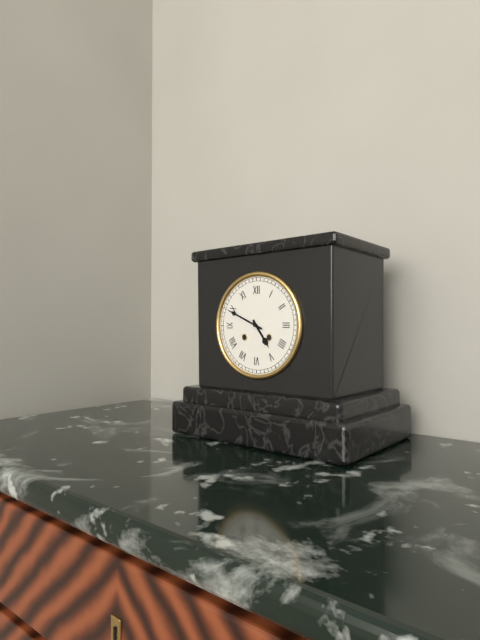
4h49
